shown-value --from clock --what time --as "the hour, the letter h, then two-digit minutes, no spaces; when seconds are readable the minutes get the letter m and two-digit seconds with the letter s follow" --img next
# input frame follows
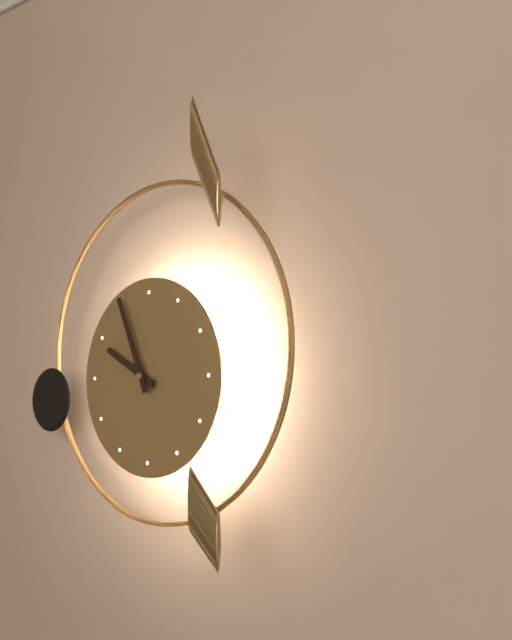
9h56
